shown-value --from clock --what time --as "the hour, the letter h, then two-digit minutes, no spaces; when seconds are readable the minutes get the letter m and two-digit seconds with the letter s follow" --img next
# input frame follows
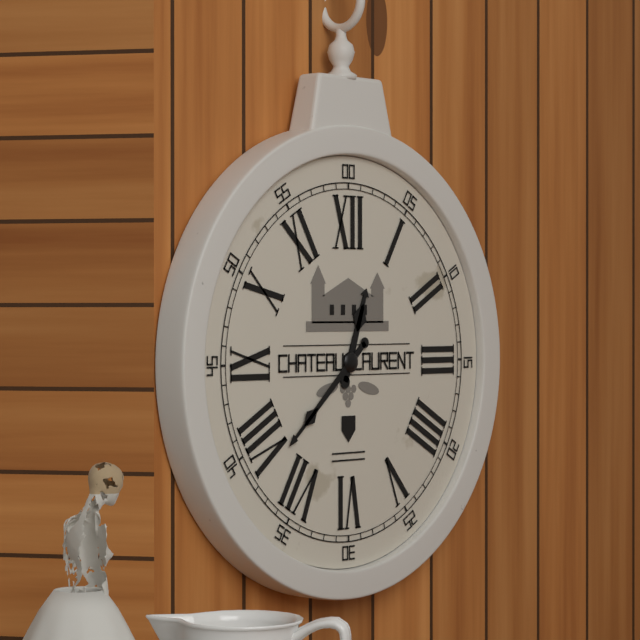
12h38
